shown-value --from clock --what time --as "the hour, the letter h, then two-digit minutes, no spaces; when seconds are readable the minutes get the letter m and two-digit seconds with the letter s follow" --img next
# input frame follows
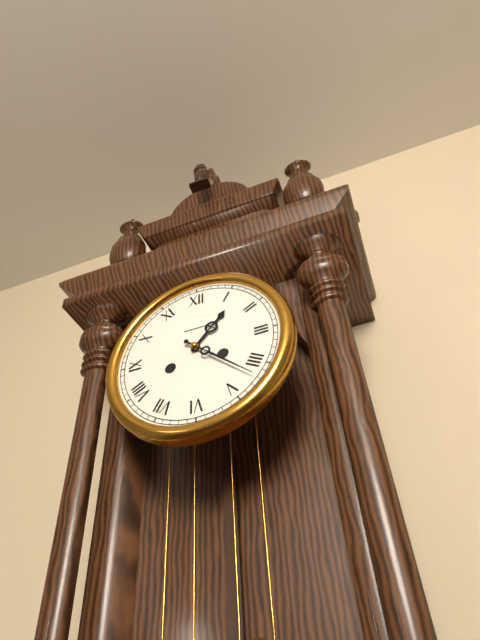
1h22
